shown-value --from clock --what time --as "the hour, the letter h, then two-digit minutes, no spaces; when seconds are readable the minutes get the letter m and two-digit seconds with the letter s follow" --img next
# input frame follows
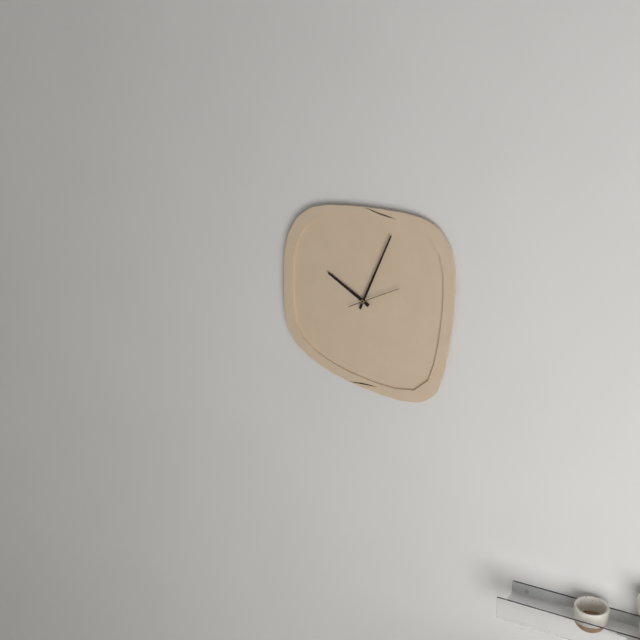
10h04
